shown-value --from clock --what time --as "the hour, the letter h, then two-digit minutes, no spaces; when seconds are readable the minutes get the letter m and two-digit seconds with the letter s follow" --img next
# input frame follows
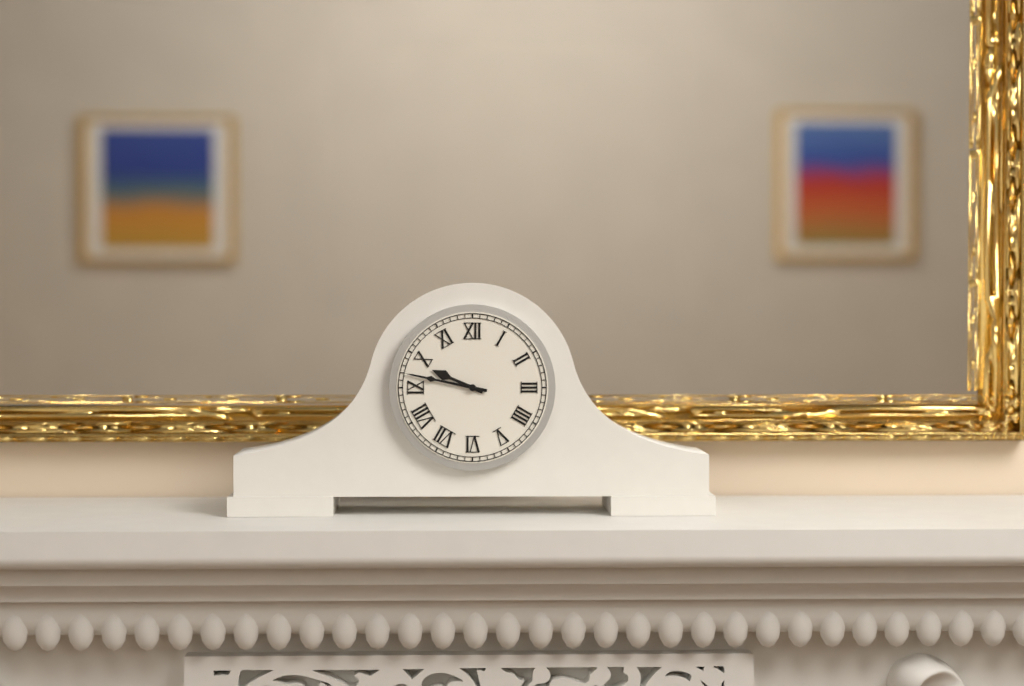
9h47
